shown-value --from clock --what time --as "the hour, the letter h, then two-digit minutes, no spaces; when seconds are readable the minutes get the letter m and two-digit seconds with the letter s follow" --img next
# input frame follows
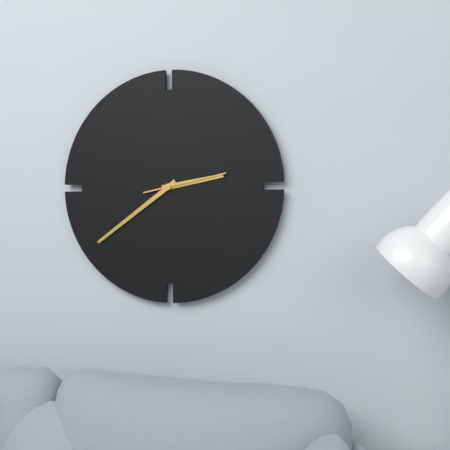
2h39m13s
